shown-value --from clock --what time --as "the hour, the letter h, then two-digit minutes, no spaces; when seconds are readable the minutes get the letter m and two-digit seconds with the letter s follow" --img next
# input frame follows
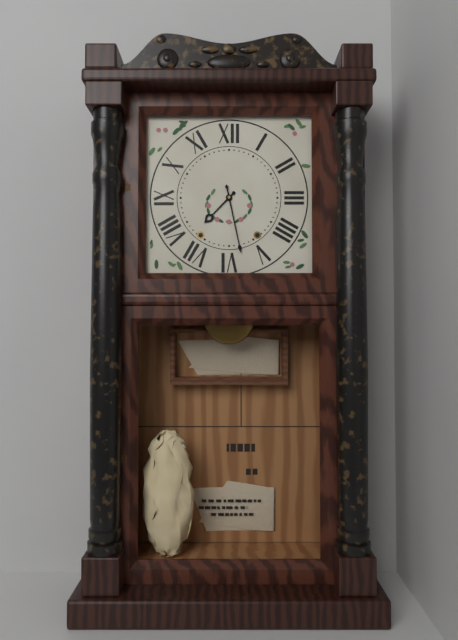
7h28
